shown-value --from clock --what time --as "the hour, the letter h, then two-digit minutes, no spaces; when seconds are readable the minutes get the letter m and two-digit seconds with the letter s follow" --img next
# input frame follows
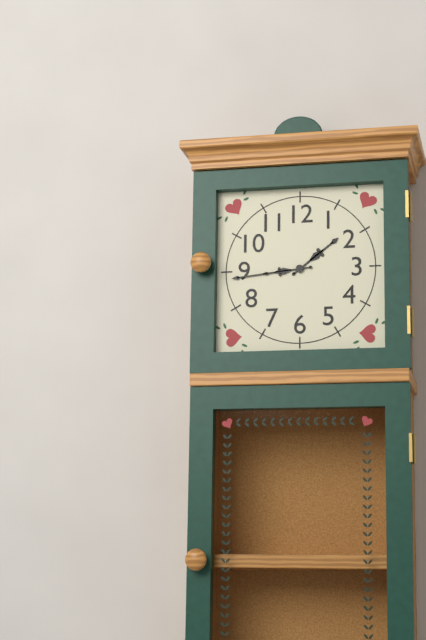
1h44
